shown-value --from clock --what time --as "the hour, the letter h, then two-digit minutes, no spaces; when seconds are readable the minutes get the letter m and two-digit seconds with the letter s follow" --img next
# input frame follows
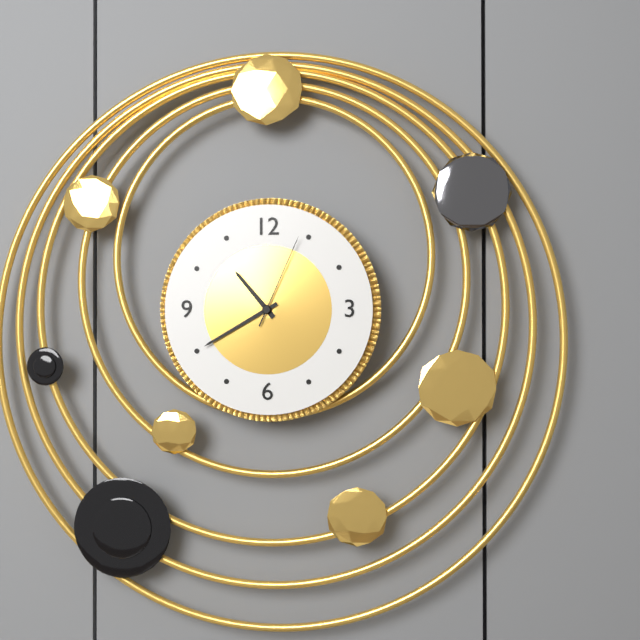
10h40m04s
